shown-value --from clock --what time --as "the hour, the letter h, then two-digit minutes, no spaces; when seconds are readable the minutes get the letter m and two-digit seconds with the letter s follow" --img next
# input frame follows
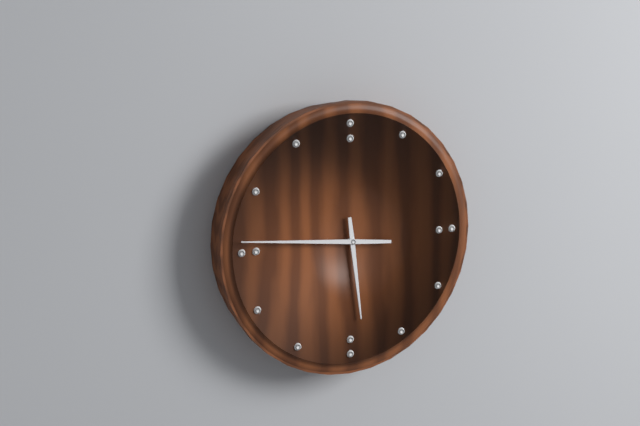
5h46
